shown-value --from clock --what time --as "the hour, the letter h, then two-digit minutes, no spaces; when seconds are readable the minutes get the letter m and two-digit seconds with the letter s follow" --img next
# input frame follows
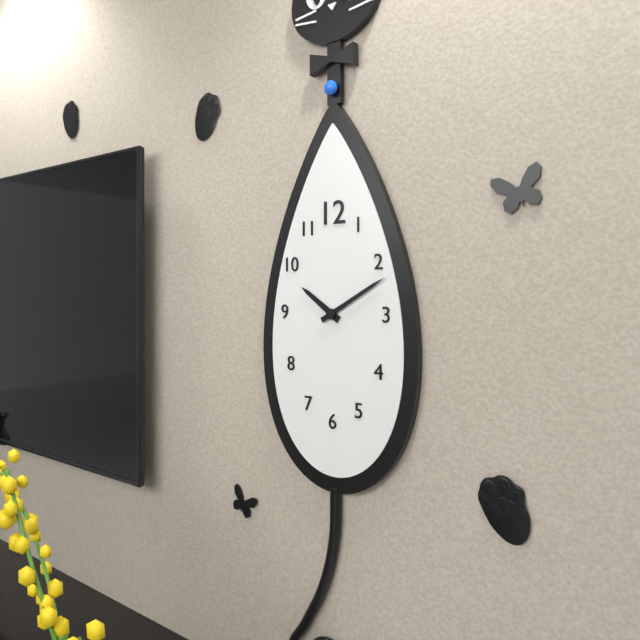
10h10
